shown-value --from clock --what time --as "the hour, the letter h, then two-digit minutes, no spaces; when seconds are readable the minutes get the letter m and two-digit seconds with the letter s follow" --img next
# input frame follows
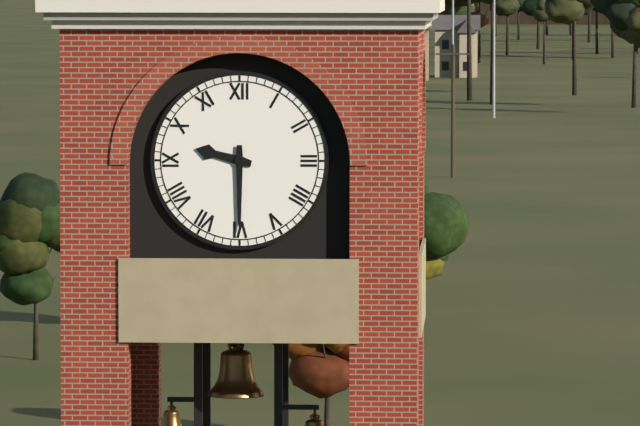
9h30
